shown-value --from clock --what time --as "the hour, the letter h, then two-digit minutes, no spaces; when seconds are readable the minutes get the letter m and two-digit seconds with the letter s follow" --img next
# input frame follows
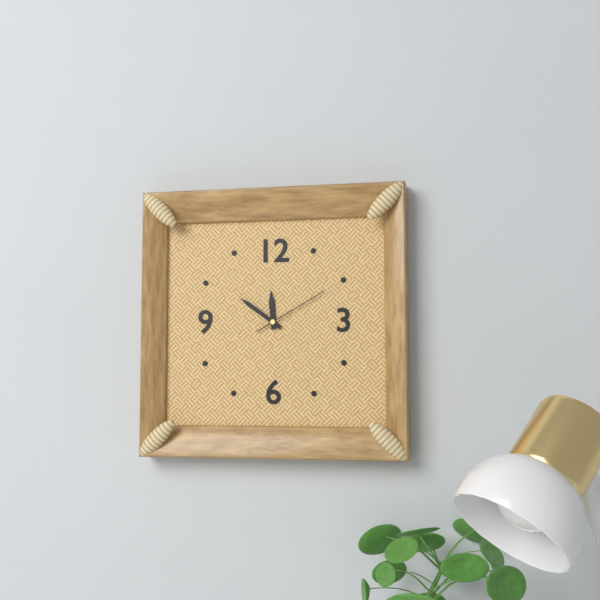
11h51m10s
